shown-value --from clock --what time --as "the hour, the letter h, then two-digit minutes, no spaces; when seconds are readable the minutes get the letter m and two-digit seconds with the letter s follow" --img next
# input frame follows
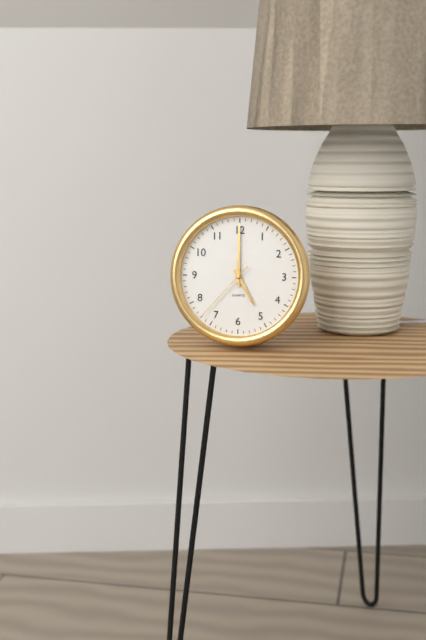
5h00m37s
